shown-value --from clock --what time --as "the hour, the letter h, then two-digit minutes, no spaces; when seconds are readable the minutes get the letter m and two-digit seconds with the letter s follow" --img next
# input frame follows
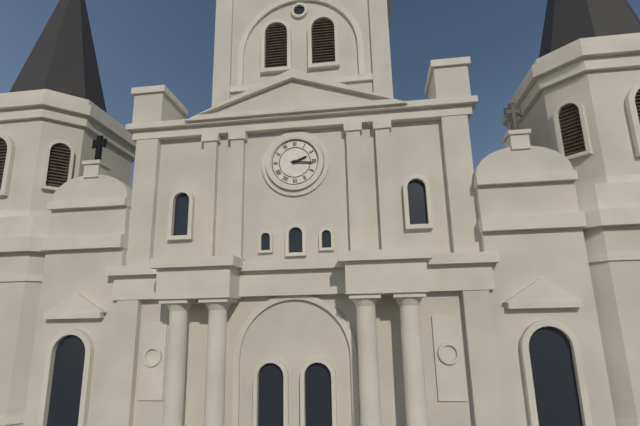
2h16
